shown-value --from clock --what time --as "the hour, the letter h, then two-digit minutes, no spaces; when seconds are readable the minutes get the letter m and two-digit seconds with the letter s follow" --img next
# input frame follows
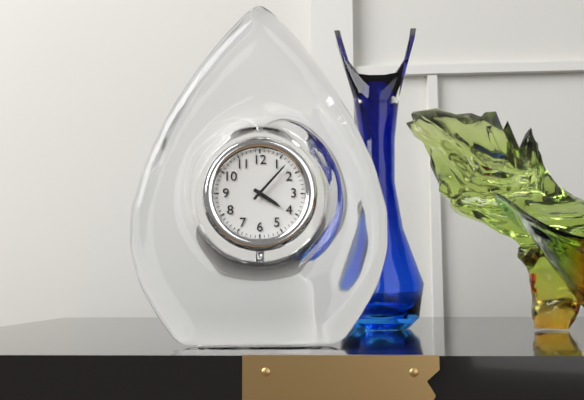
4h07
